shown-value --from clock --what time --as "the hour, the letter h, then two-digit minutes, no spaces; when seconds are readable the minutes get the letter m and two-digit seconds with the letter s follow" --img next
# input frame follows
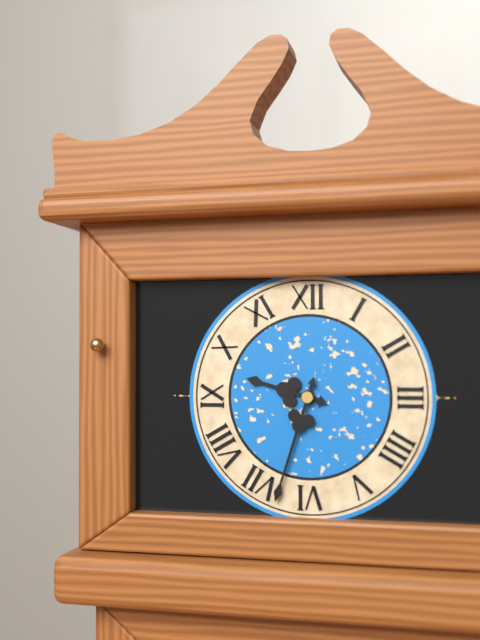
9h33
